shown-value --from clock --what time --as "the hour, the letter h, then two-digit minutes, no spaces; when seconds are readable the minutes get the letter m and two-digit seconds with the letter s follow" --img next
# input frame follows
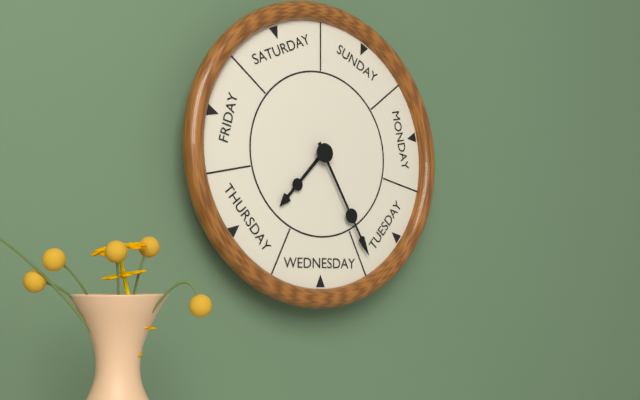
7h25
